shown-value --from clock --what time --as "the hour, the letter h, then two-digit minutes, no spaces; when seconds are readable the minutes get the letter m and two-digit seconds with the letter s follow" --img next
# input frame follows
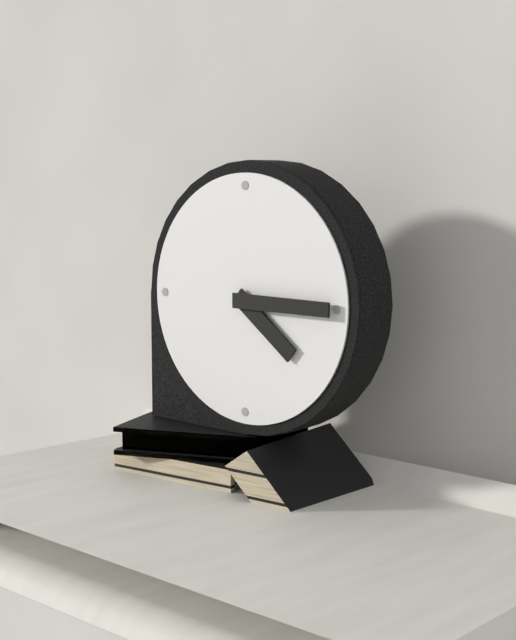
4h15
